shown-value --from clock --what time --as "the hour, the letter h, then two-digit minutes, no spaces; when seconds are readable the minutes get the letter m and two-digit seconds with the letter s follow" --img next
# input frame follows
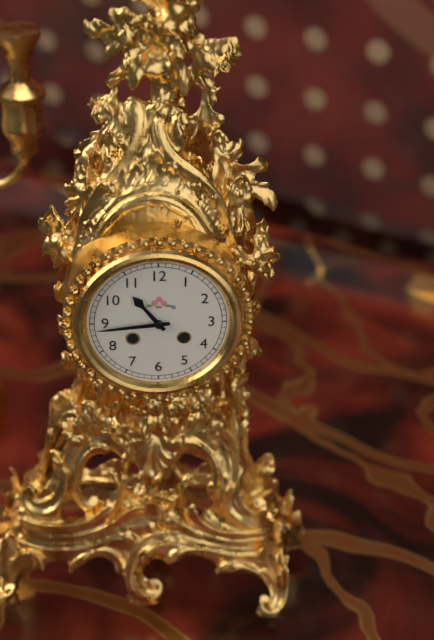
10h44
